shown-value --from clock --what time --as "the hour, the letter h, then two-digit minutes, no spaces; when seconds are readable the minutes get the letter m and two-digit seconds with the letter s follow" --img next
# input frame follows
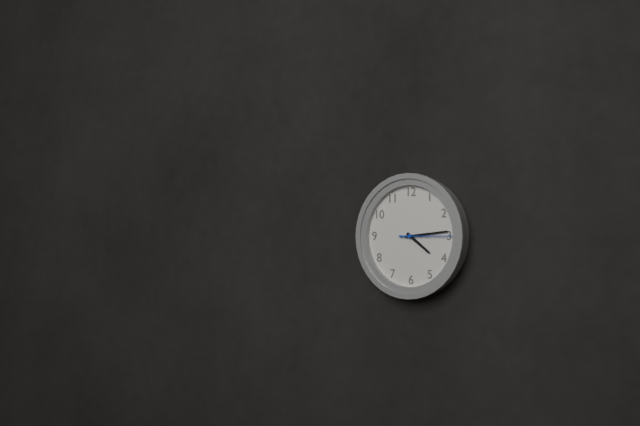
4h14m15s
